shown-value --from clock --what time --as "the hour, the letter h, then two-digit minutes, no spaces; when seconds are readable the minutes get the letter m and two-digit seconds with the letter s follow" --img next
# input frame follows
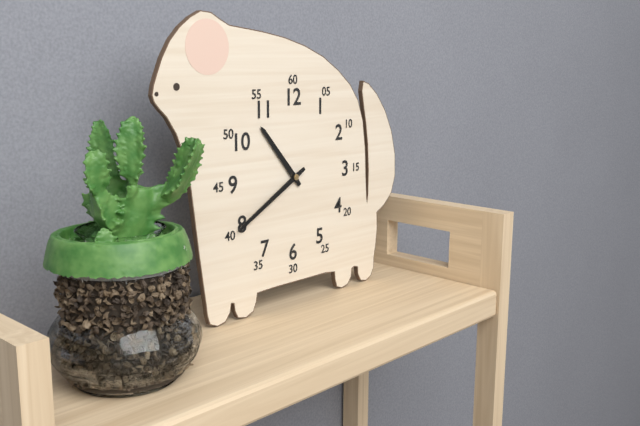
10h40
